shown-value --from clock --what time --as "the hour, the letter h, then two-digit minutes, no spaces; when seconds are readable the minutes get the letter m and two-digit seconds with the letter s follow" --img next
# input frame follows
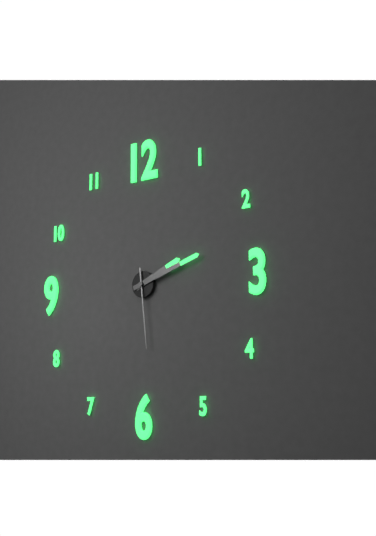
2h12m29s
